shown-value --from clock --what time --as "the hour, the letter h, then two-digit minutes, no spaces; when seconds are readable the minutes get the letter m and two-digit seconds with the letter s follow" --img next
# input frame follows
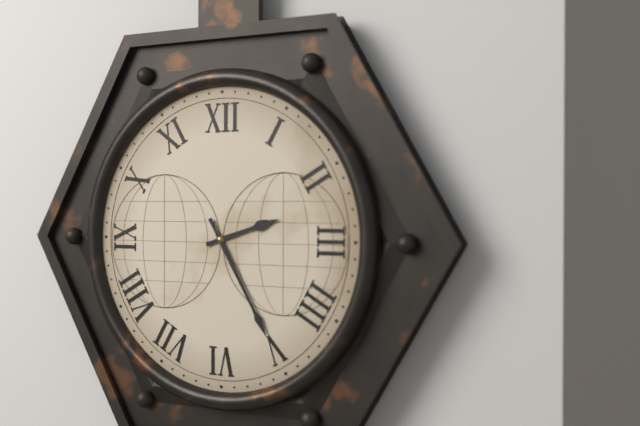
2h25
